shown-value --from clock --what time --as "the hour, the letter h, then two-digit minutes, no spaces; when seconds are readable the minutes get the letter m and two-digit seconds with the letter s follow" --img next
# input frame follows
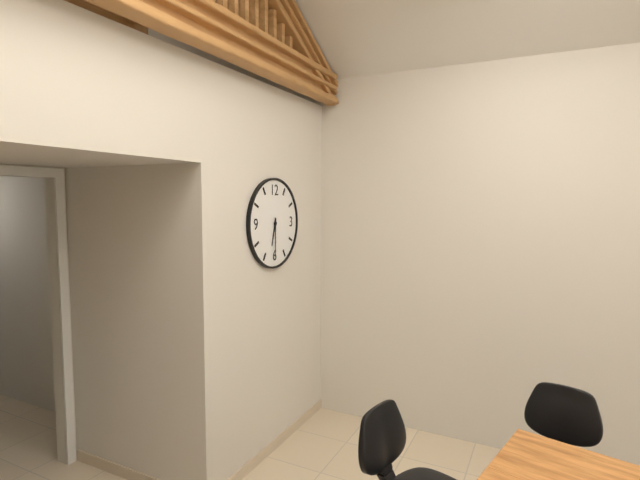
6h30
